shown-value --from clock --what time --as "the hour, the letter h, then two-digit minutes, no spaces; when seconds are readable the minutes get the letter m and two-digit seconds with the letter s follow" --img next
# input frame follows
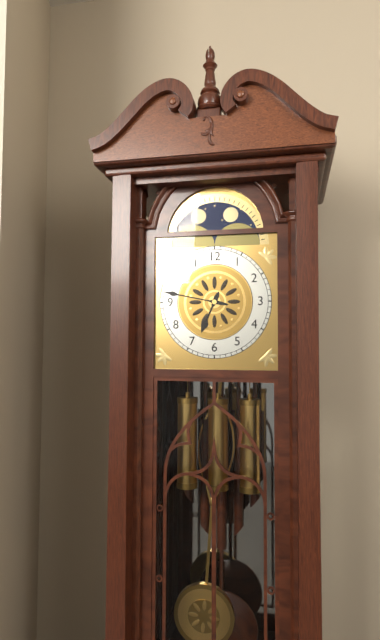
6h47
